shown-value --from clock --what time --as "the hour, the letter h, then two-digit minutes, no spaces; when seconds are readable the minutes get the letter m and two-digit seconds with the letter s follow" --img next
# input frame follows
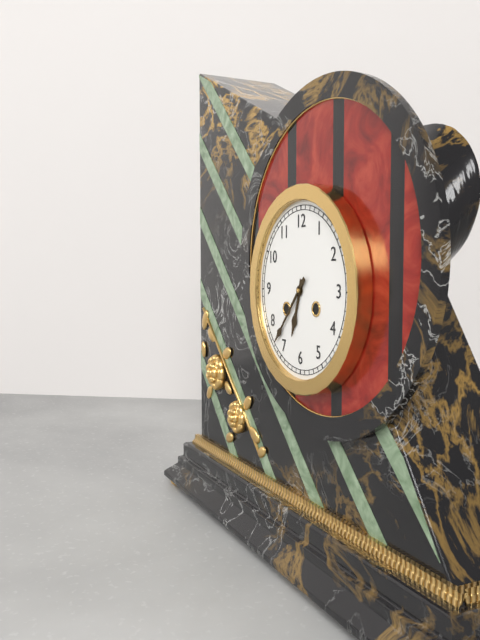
6h37
